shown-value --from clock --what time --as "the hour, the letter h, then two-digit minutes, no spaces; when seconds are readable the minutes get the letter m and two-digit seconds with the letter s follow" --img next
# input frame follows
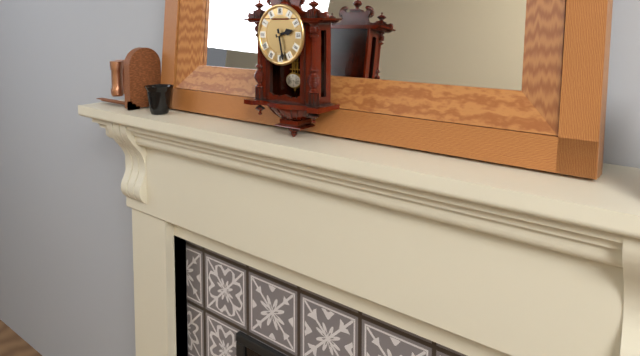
2h28
